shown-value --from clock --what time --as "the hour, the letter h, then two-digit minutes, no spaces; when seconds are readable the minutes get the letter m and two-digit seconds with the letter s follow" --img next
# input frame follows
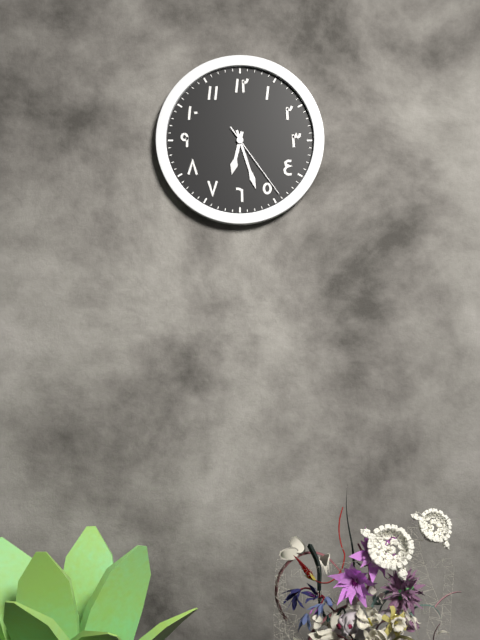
6h27m24s
